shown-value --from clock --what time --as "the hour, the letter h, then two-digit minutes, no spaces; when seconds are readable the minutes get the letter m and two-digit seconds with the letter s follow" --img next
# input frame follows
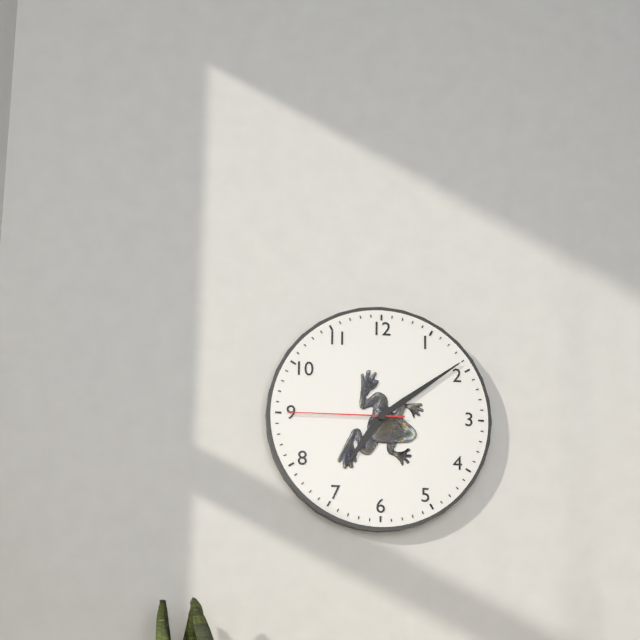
7h09m45s
